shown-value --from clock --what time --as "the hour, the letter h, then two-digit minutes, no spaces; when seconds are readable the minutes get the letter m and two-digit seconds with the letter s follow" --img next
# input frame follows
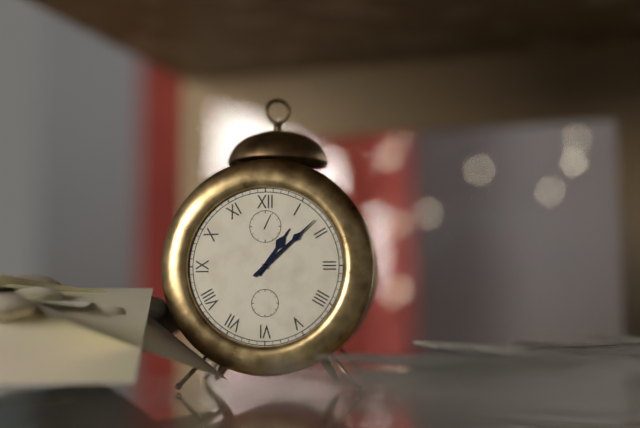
1h08
